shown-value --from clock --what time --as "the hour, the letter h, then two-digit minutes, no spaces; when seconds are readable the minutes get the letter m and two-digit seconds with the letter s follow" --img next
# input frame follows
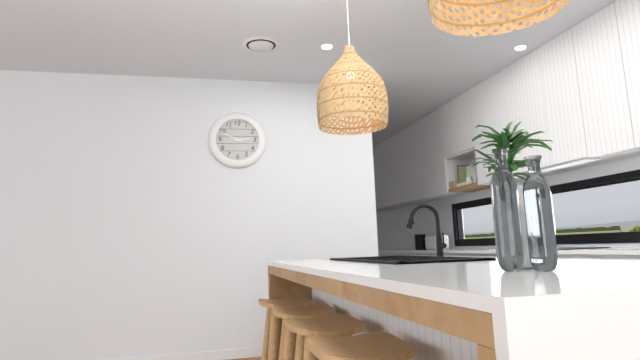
2h49
